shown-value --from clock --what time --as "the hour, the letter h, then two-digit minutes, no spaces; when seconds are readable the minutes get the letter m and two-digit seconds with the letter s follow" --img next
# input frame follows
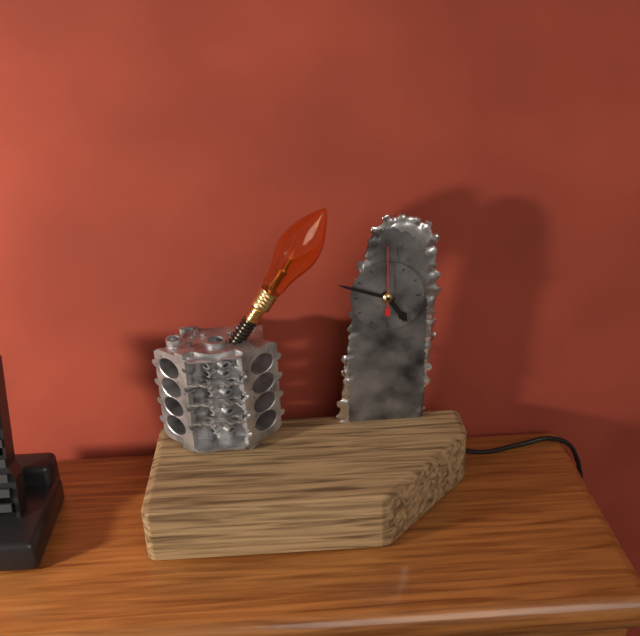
4h48m00s
